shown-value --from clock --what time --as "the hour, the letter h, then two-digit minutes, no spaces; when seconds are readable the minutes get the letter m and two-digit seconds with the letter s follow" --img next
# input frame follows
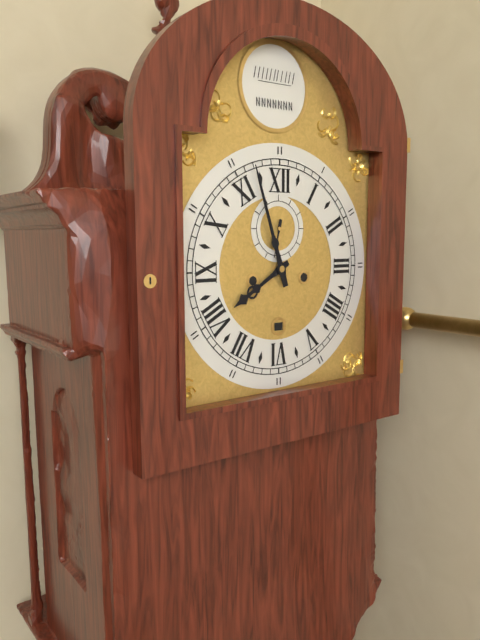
7h57
